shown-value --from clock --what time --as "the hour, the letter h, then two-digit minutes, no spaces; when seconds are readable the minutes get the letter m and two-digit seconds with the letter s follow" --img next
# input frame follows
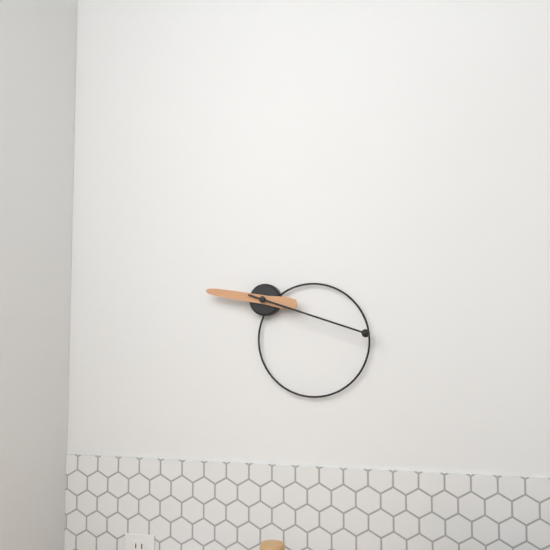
9h18
